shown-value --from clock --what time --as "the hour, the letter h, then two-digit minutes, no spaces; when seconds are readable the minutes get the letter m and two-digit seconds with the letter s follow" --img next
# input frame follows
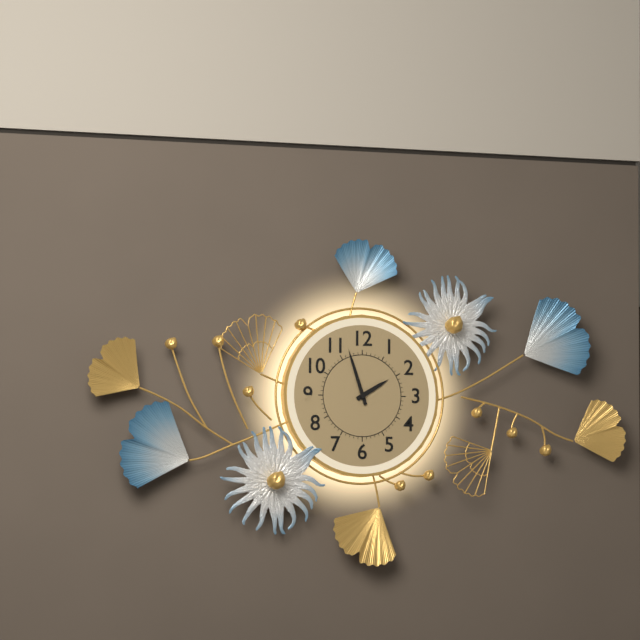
1h57
